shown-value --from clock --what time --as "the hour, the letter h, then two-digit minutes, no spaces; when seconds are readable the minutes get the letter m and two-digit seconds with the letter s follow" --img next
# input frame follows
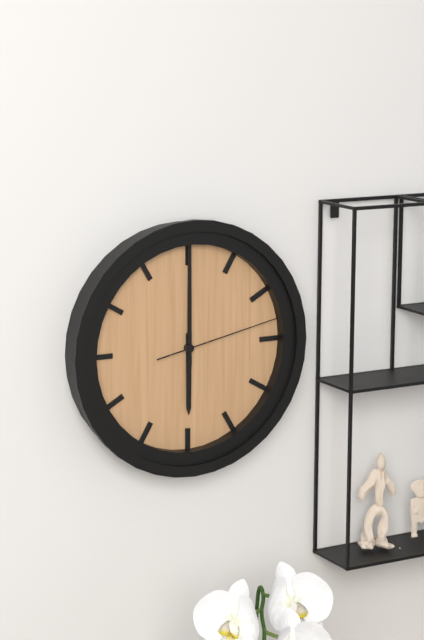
6h00m13s
